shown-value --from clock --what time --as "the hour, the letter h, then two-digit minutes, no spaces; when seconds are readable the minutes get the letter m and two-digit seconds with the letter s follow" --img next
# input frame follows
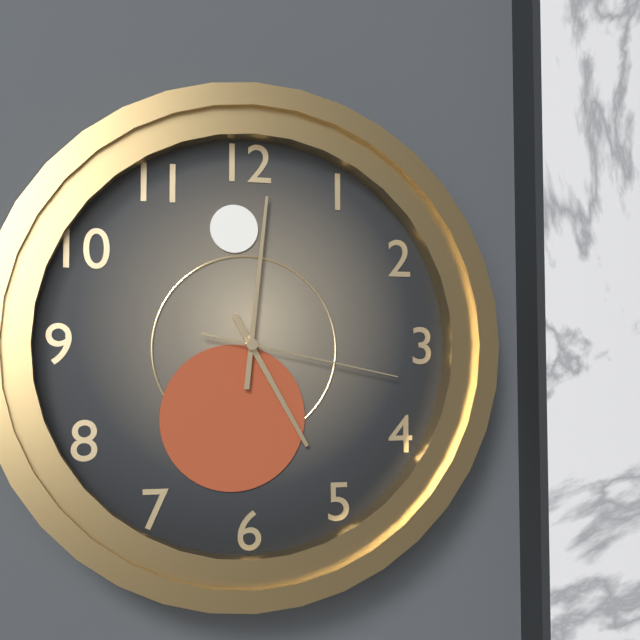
5h01m17s
